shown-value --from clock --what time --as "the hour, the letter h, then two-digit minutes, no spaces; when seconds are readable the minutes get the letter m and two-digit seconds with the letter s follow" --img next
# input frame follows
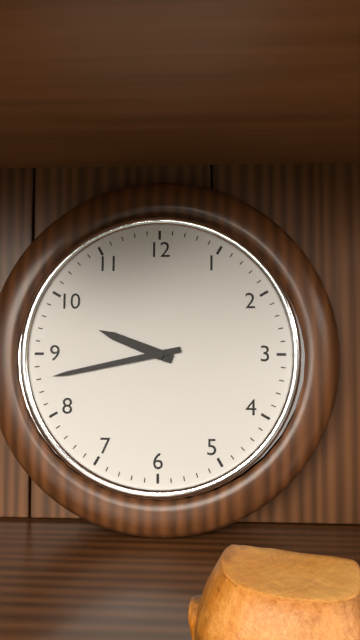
9h43
